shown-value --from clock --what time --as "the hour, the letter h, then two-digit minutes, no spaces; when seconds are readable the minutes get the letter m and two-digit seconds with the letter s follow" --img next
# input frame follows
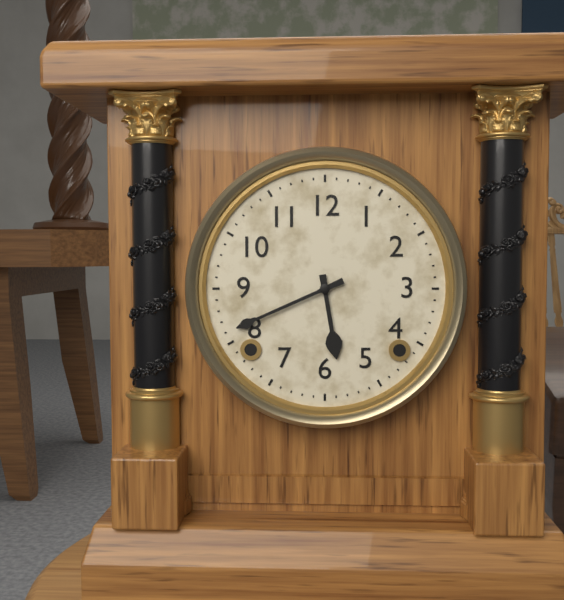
5h41
